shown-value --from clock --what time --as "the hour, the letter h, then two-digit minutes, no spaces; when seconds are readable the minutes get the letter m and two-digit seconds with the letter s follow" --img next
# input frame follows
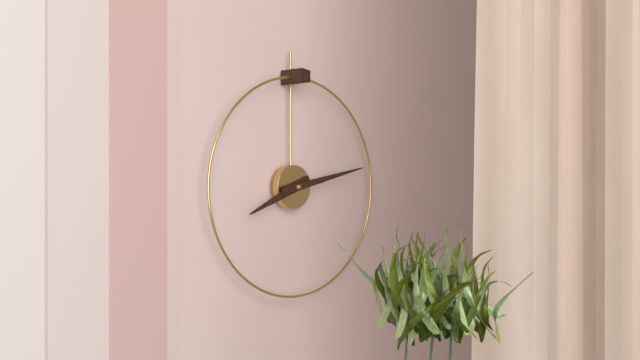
8h13
